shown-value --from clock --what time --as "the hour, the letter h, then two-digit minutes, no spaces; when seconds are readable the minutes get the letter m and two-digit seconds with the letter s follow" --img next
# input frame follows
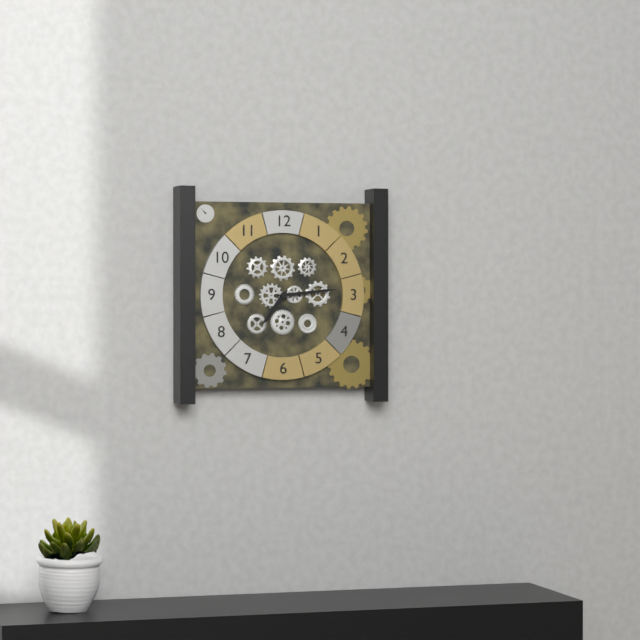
7h14
